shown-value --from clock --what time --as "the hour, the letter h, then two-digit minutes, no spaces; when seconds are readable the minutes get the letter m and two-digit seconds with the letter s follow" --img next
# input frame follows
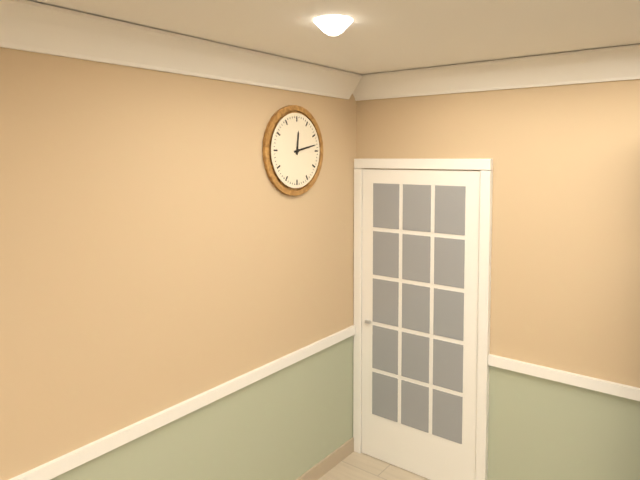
12h13
